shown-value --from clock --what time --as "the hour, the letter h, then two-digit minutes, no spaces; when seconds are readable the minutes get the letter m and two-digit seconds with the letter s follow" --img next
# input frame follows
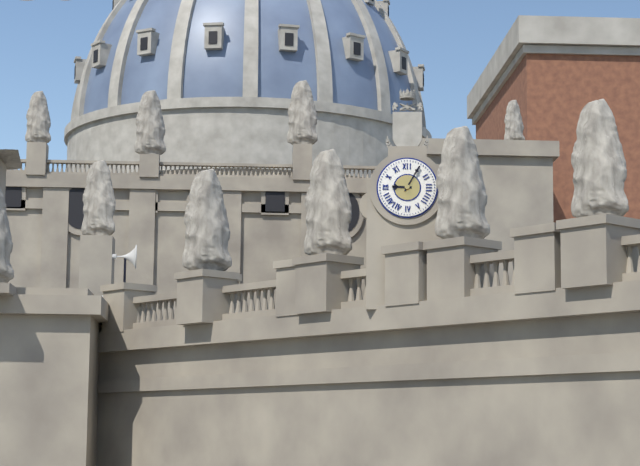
9h05
